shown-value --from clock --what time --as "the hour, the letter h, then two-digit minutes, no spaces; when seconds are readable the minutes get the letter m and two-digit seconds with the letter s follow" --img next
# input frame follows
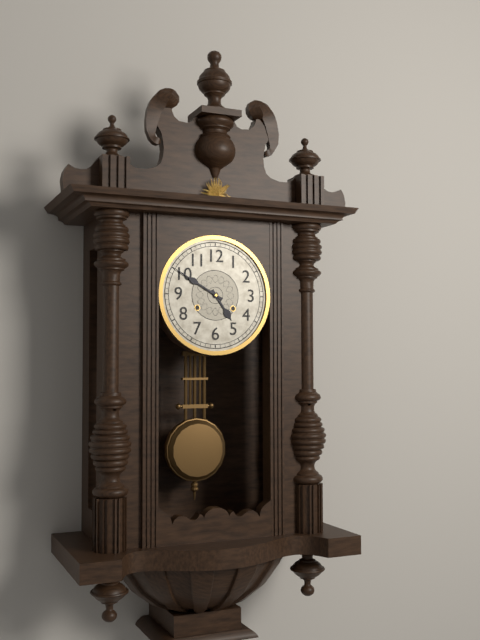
4h50
